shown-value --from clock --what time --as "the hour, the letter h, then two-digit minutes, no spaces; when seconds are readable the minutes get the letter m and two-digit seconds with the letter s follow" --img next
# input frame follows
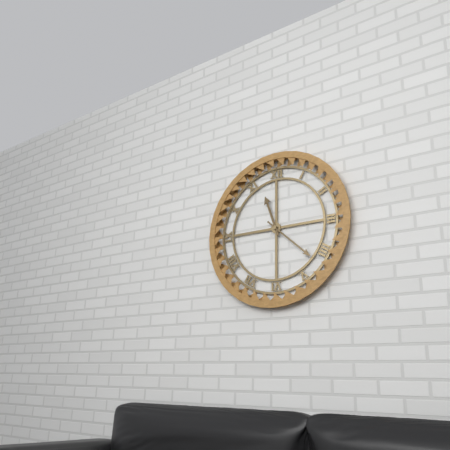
11h22
